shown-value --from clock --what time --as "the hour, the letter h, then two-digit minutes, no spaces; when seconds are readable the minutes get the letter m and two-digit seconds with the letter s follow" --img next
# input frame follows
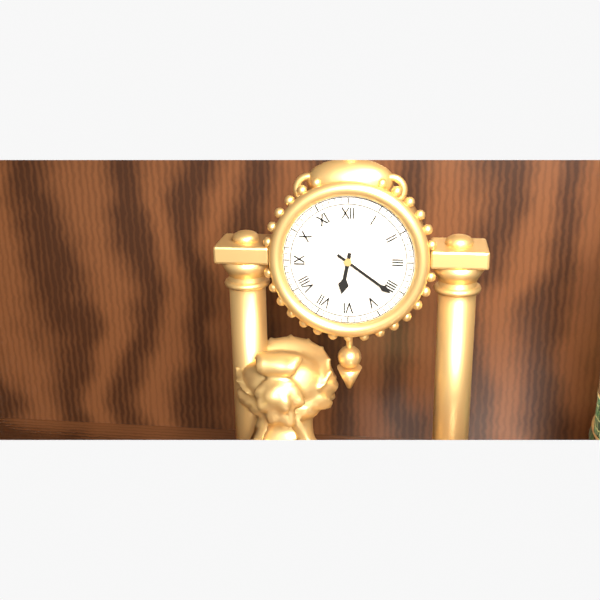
6h21
